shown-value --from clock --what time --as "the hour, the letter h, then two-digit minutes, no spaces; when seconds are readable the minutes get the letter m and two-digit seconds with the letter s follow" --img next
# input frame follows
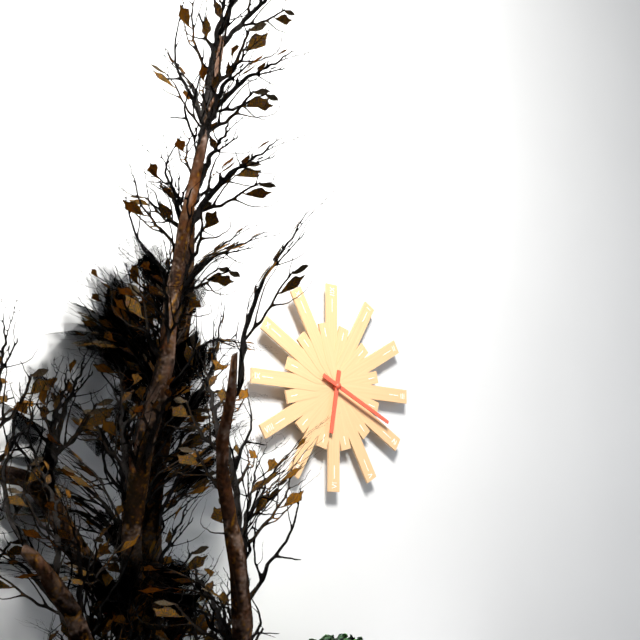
6h19
